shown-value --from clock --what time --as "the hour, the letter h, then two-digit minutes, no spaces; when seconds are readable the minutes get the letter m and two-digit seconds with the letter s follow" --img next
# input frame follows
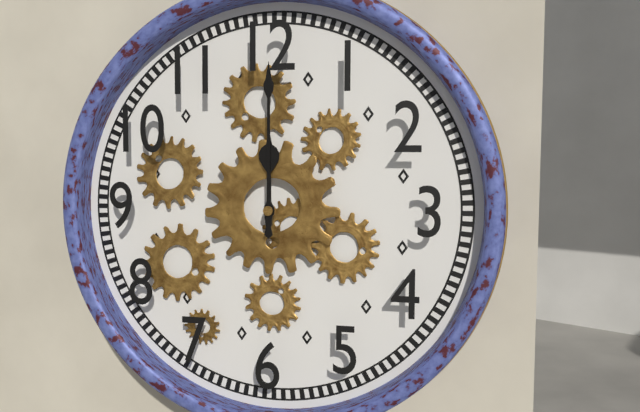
12h00
